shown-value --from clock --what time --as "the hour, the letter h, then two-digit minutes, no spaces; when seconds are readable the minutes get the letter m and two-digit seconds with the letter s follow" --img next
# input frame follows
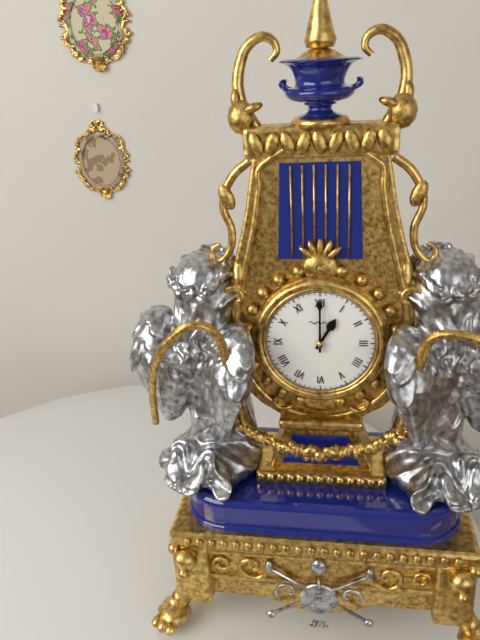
1h00
